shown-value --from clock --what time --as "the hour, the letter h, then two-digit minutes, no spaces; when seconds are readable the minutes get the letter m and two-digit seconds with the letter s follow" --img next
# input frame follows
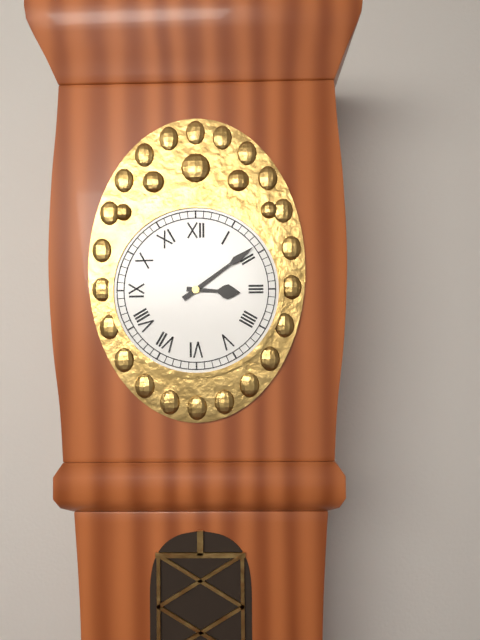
3h09
